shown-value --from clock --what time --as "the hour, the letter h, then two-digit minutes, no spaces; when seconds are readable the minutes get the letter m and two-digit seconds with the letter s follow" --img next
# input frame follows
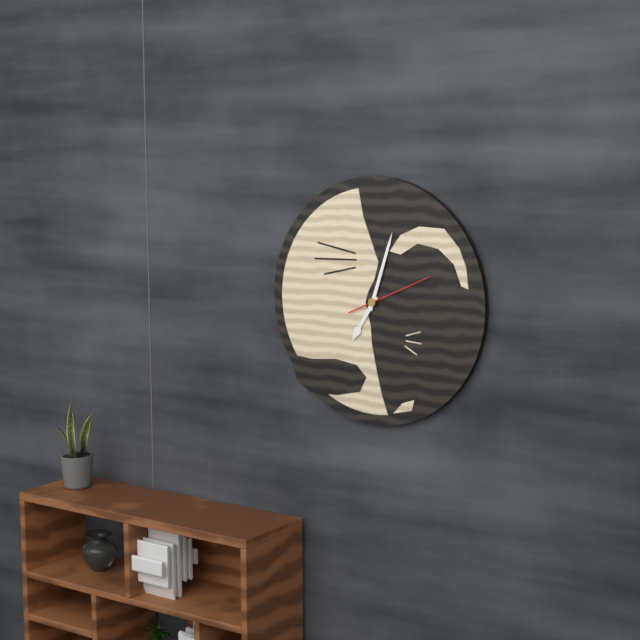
7h03m11s
